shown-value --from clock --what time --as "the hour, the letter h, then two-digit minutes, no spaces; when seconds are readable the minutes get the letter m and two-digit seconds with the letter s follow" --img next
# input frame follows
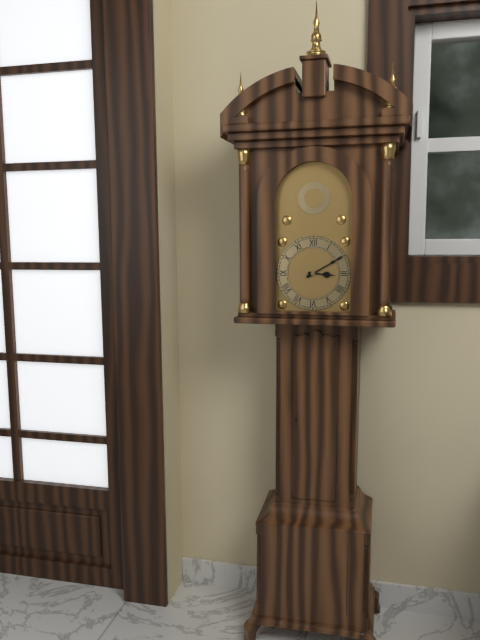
3h10
